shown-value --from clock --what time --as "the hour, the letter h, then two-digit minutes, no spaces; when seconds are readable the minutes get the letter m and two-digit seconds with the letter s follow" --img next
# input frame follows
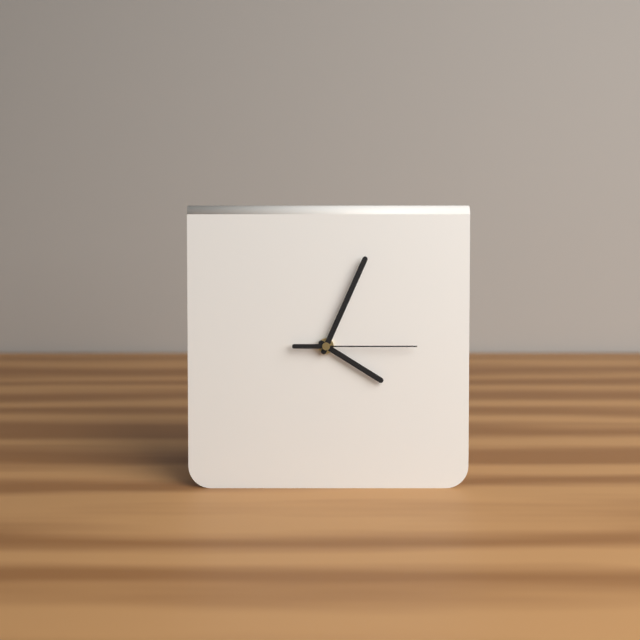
4h04m15s
